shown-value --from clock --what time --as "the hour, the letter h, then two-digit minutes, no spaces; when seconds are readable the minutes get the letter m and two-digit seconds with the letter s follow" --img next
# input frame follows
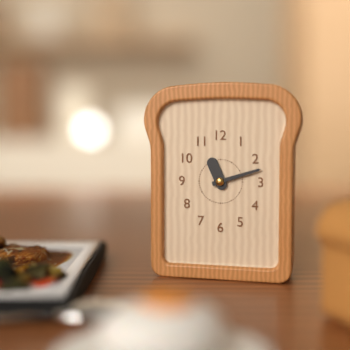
11h12
